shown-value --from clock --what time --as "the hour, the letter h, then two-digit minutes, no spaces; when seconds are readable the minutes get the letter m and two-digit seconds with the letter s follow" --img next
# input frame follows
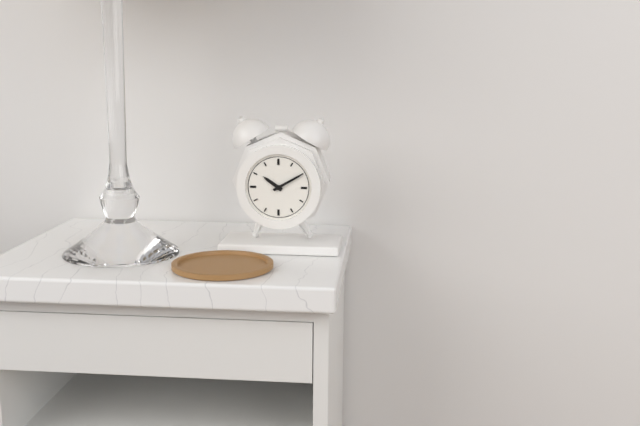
10h10
